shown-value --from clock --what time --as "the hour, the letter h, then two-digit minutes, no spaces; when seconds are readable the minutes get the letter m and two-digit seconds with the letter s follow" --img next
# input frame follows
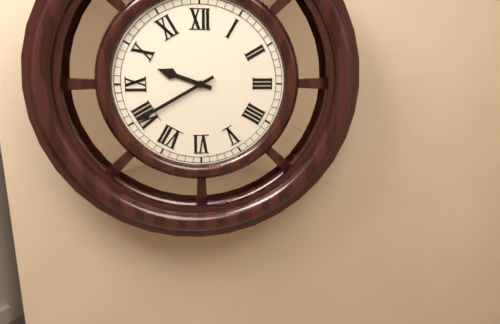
9h40
